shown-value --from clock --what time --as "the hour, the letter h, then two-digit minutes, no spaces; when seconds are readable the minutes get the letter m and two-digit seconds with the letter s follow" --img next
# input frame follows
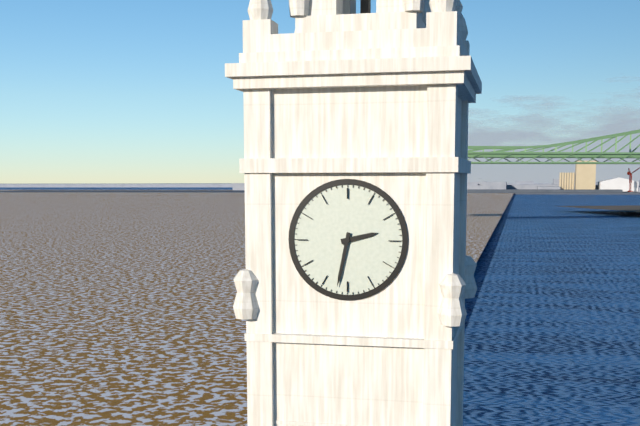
2h32
